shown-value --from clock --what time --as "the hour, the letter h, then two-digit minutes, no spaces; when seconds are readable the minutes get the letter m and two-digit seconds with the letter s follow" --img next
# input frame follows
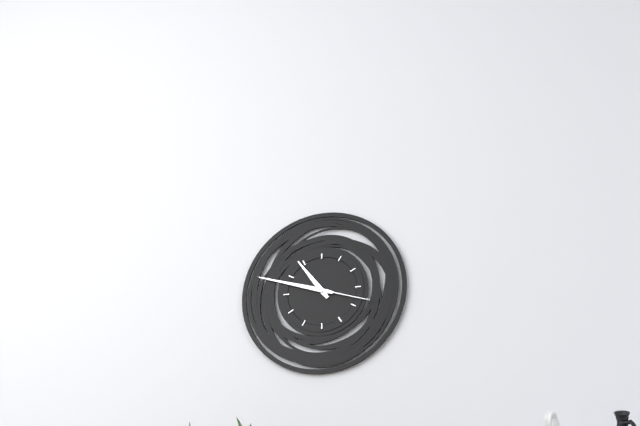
10h48m18s
